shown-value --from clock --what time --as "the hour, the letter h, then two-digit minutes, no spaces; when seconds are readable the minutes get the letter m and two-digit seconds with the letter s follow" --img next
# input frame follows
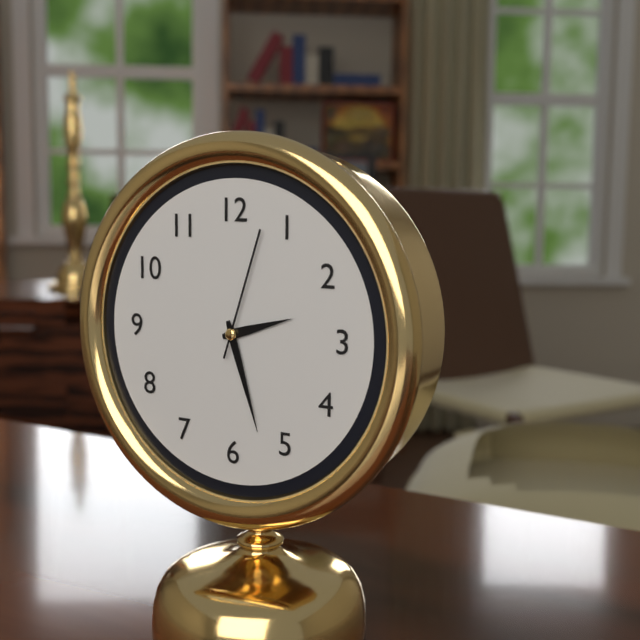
2h27m03s
